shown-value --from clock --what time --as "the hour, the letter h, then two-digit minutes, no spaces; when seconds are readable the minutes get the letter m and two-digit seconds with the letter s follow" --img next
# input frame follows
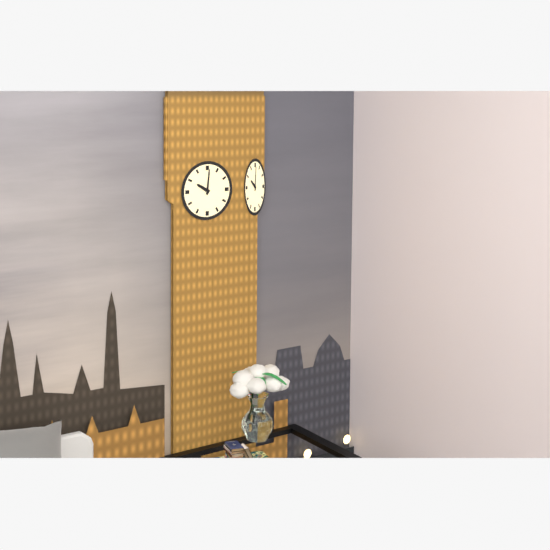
10h01
